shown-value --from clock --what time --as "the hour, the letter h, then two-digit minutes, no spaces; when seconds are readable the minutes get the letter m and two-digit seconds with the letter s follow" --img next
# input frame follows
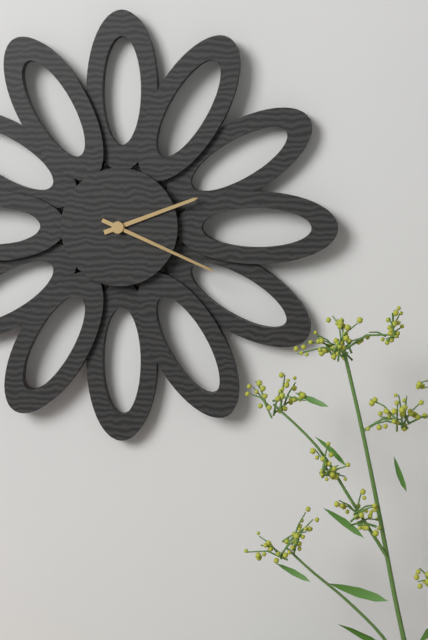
2h19
